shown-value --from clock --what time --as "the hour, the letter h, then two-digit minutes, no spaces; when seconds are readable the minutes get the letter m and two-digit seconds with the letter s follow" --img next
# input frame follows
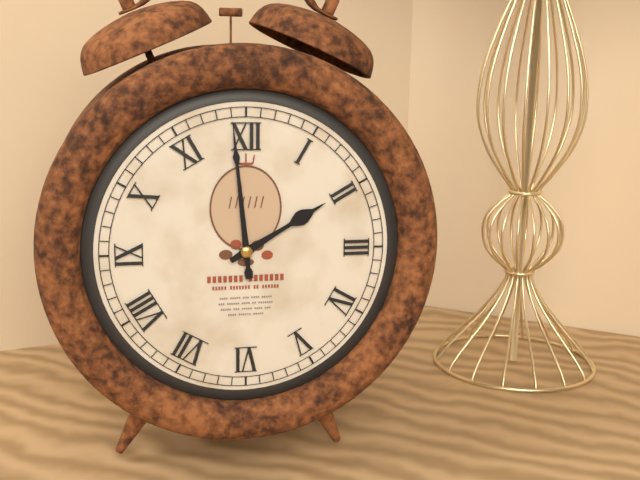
1h59
